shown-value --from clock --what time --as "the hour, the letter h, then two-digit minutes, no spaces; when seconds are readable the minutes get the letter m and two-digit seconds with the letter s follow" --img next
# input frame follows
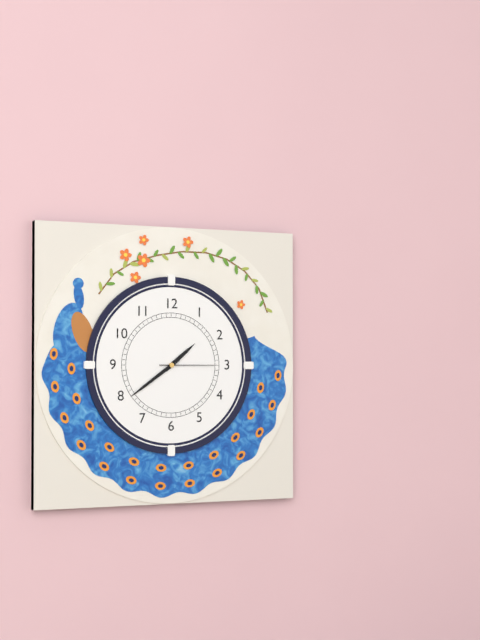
1h39m15s
